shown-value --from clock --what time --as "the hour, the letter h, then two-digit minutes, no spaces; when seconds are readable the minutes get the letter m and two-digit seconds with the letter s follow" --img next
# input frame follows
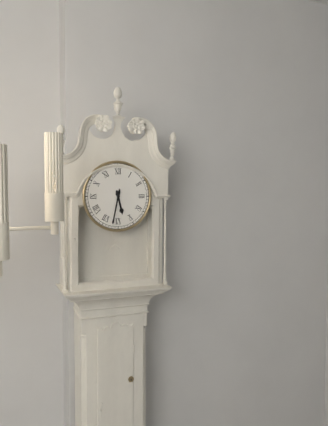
5h32
